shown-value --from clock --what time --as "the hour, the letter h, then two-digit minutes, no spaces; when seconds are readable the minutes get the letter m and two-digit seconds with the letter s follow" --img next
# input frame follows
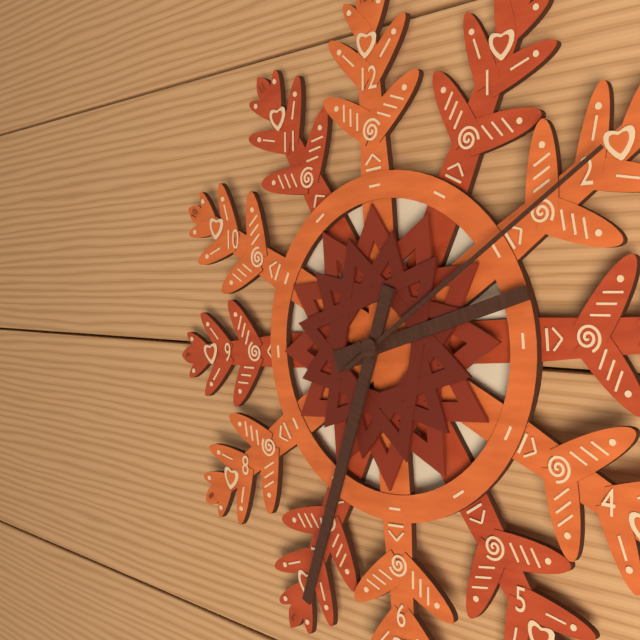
2h34m10s
